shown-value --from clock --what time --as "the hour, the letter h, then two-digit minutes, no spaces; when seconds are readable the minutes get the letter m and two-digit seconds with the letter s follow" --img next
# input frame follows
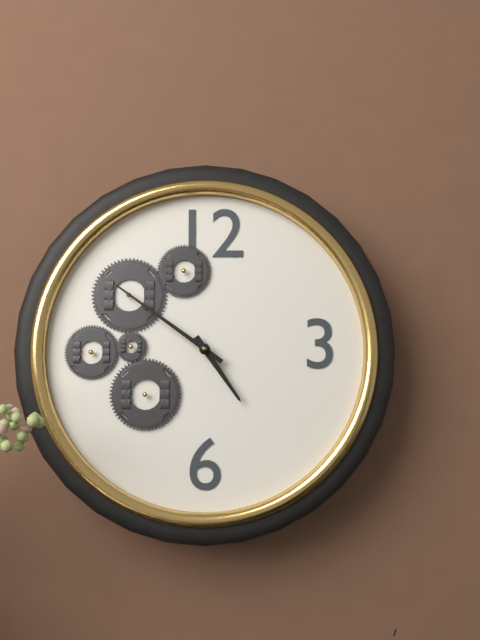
4h51
